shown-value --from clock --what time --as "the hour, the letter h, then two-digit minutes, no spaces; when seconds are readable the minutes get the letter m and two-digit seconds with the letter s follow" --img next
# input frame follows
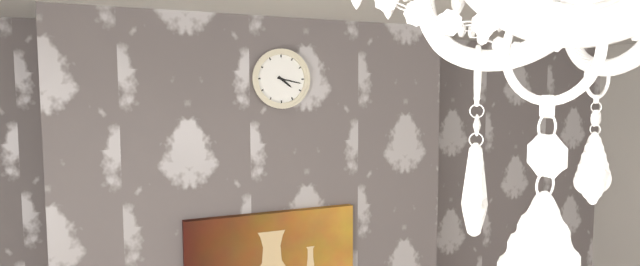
4h17
